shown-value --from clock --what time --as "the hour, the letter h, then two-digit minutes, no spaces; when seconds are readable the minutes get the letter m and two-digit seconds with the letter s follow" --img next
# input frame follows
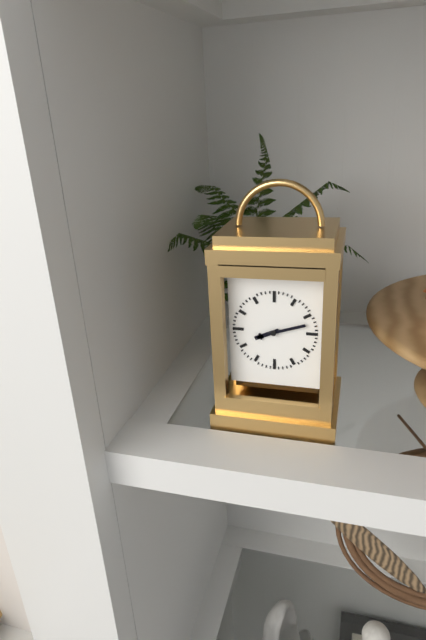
8h12
